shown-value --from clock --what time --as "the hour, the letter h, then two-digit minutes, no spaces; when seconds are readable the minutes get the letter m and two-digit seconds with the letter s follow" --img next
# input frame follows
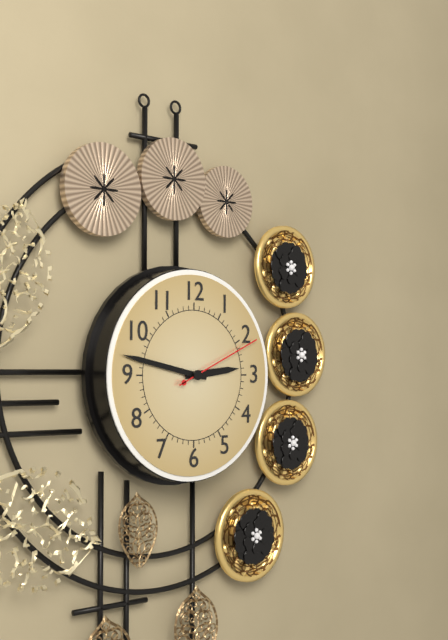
2h47m11s
